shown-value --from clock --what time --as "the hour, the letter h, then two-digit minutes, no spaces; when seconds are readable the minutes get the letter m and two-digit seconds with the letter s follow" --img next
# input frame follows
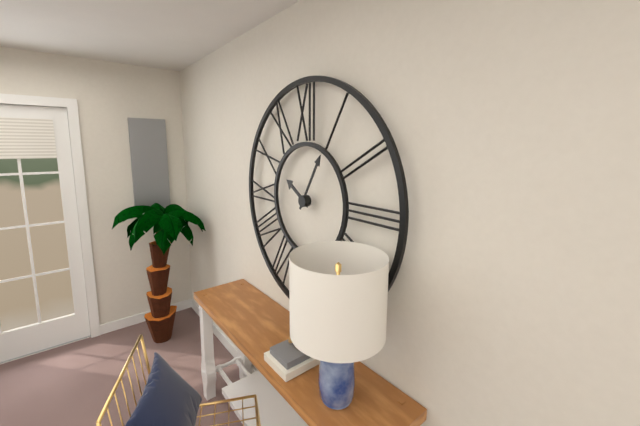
10h05
